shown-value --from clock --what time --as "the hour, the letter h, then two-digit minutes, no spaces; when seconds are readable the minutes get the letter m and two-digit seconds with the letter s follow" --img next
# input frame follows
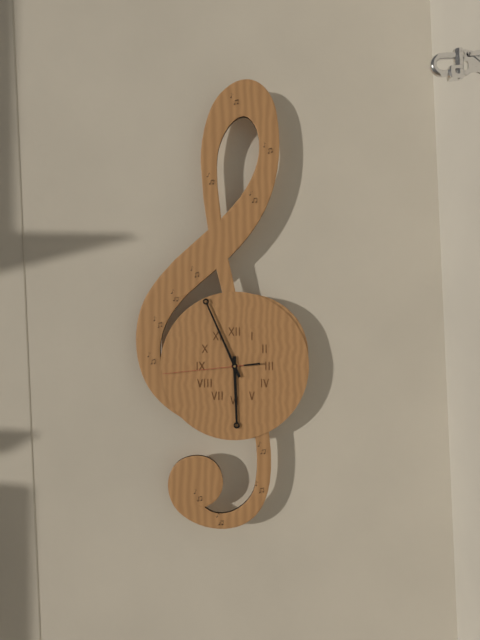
5h56m44s
